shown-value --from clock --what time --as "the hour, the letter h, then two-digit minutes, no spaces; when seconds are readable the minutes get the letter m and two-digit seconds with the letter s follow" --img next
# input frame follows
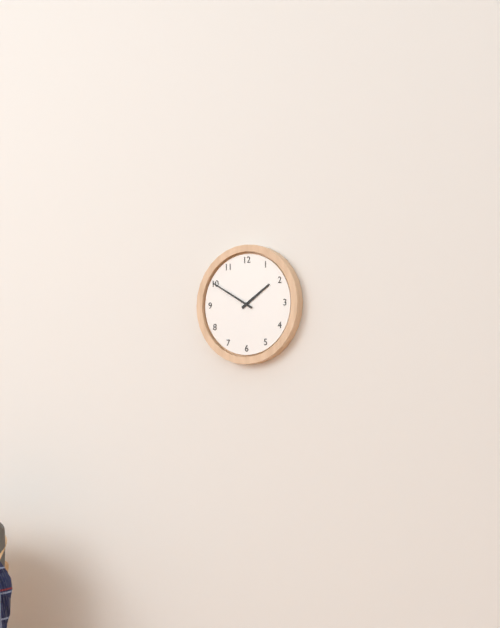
1h50
